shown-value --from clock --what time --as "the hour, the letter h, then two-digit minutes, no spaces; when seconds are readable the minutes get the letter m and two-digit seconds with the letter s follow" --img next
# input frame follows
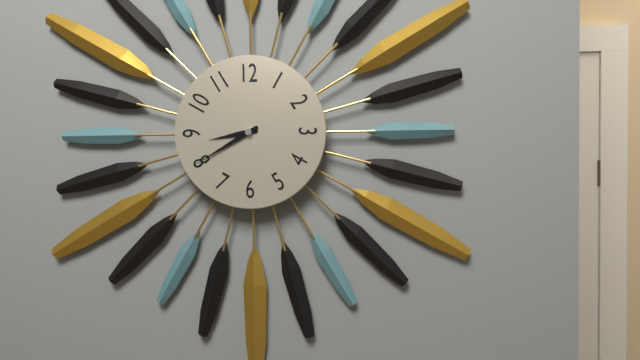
8h40
